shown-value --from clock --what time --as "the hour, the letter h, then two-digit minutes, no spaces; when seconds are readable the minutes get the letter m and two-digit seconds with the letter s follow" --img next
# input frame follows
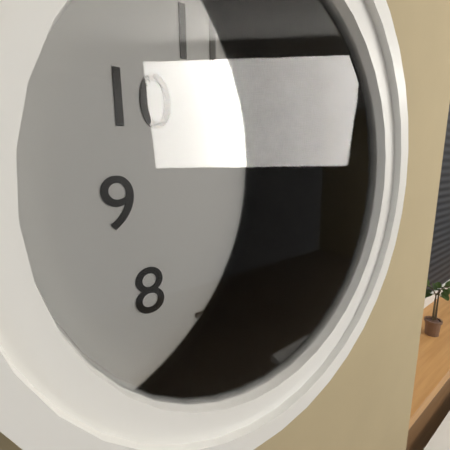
12h22
